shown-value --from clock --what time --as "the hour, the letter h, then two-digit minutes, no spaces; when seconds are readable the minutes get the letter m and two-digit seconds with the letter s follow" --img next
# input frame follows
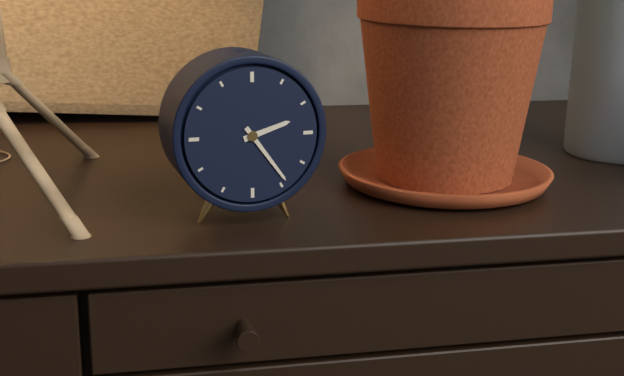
2h24
